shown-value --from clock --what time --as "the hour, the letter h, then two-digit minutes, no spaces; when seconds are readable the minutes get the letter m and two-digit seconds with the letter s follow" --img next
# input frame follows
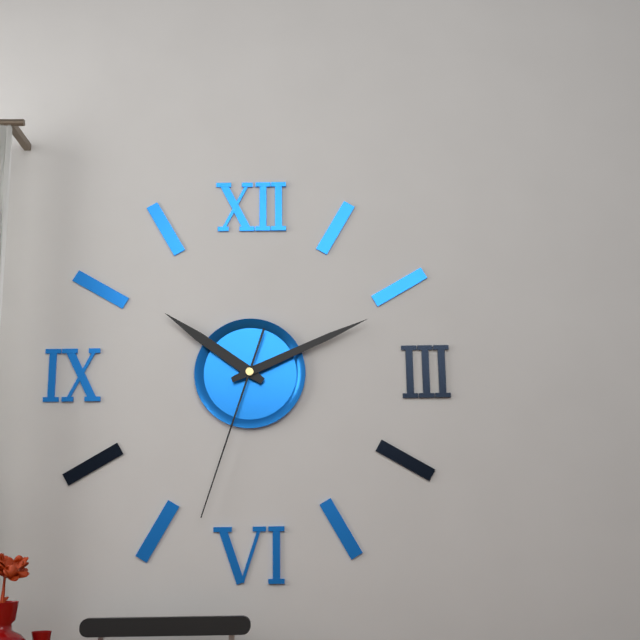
10h11m33s
